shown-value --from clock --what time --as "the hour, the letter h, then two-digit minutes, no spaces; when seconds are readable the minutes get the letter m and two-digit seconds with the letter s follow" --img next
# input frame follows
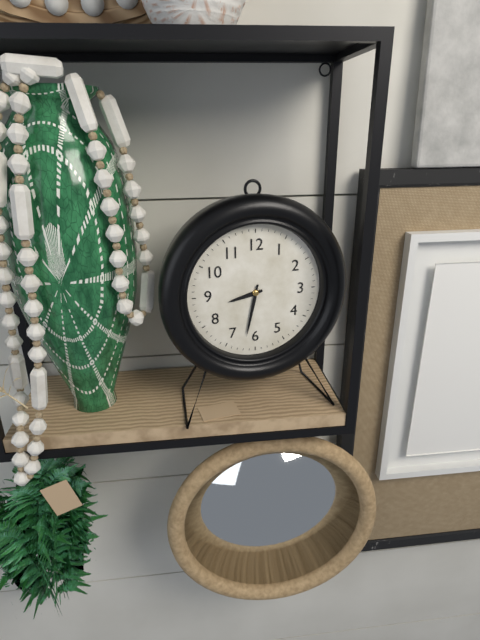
8h32
